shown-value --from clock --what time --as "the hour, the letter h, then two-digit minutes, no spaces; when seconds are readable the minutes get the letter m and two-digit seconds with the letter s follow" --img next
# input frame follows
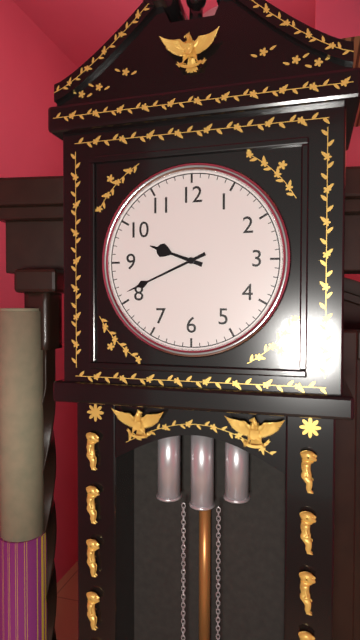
9h41
